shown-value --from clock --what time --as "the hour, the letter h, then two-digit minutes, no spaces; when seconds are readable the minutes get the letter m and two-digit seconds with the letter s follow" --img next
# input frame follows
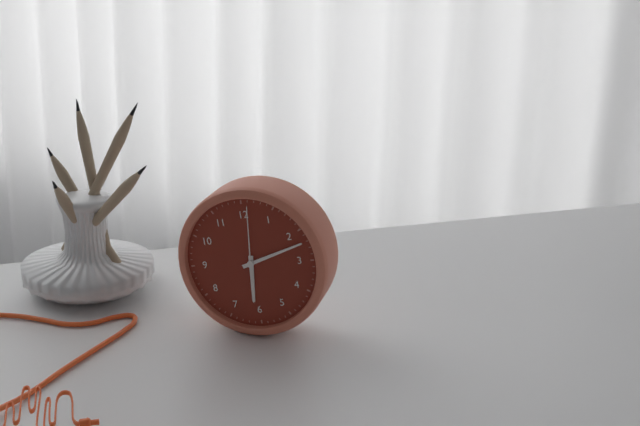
6h12m01s
